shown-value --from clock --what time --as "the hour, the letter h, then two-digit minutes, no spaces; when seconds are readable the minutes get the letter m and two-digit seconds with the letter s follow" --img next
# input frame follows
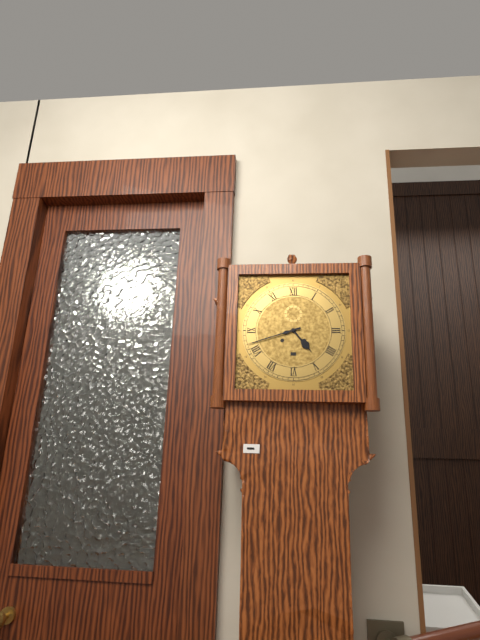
4h42
